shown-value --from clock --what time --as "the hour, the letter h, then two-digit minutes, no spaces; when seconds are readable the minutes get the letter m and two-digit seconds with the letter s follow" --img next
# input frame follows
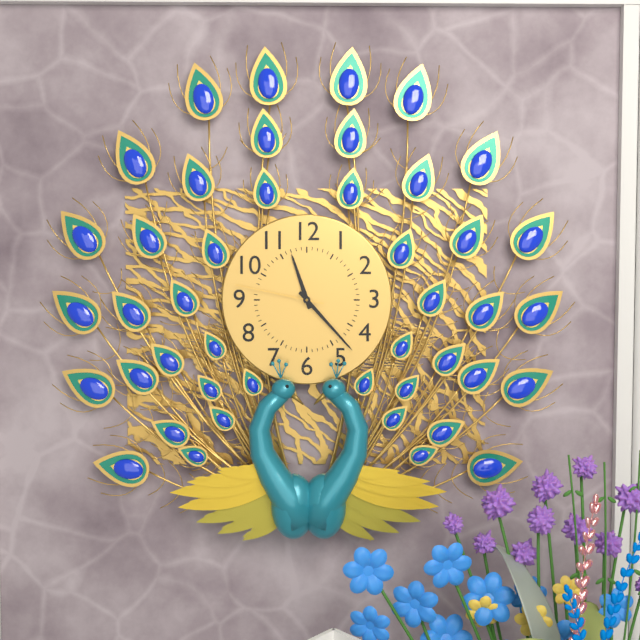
11h23m47s
